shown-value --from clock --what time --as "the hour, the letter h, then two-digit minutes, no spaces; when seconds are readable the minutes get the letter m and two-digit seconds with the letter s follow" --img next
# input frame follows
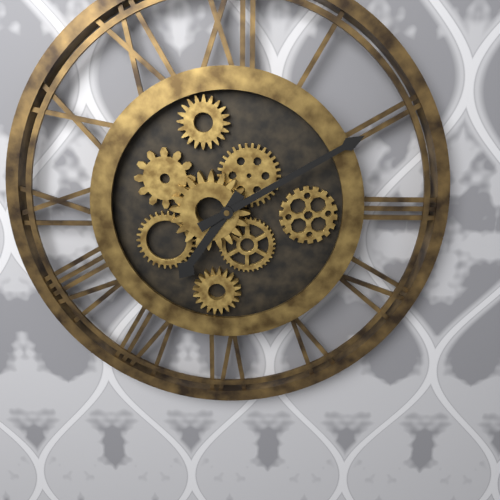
7h10
